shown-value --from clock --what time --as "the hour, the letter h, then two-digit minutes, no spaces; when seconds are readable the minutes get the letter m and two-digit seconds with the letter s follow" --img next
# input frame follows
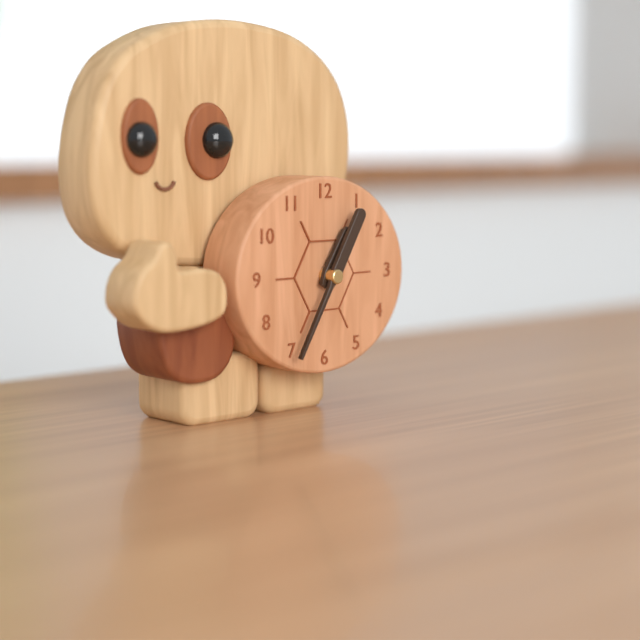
1h05
